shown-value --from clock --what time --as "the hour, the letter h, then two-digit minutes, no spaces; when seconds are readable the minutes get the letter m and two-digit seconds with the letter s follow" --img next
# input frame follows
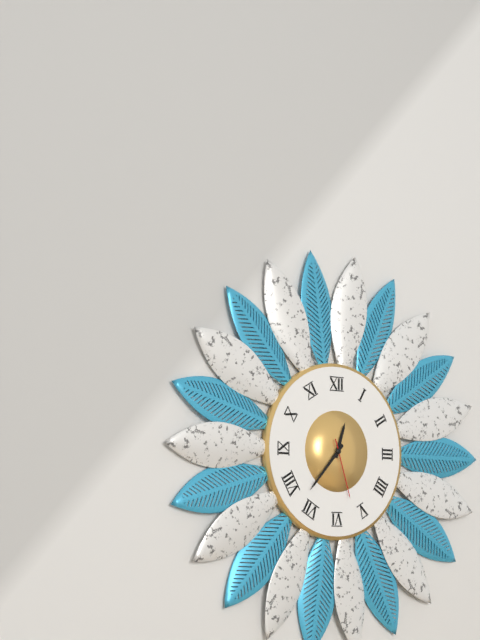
12h37m27s
